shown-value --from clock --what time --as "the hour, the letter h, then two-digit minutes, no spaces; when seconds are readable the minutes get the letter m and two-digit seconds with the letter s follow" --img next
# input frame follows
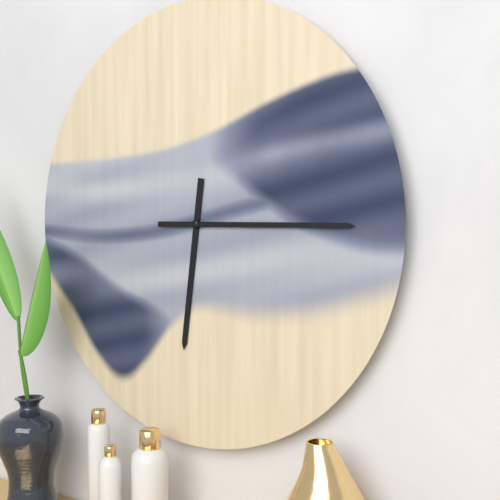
6h15
